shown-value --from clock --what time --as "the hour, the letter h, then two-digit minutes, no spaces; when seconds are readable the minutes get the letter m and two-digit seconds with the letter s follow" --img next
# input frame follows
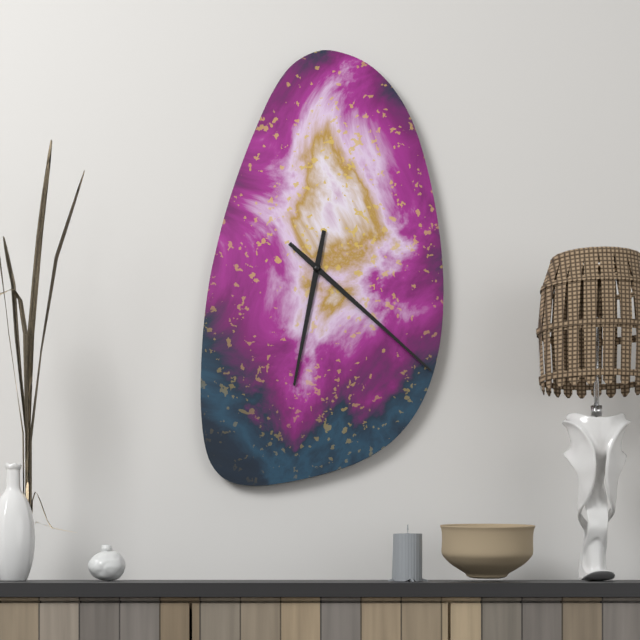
6h22
